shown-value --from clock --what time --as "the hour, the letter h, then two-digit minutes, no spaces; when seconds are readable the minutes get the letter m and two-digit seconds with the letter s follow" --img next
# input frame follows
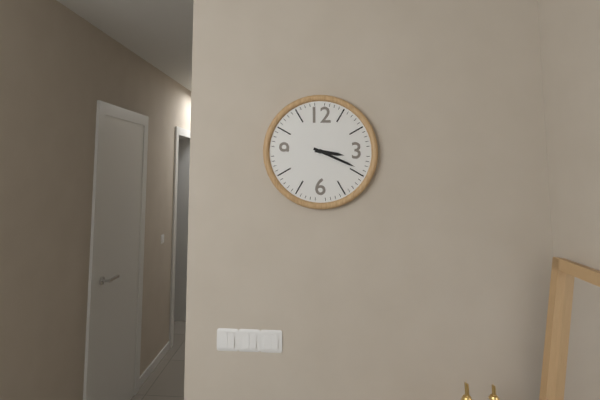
3h19
